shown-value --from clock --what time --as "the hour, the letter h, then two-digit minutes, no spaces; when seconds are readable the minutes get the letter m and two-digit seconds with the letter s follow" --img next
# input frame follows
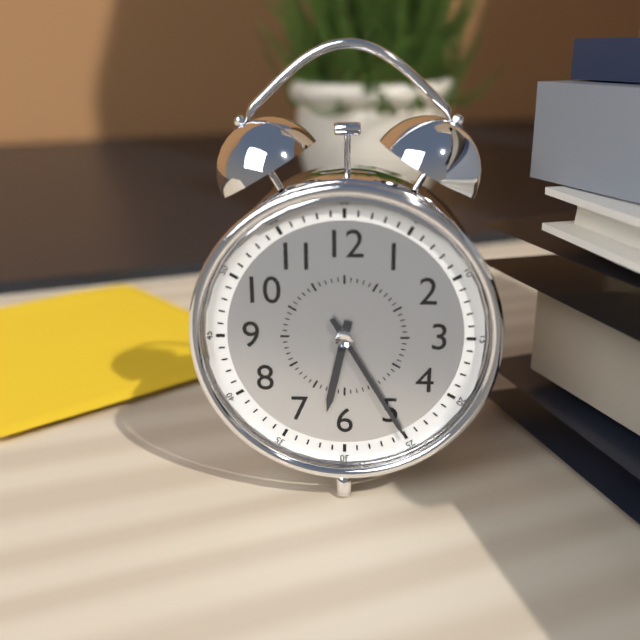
6h25
